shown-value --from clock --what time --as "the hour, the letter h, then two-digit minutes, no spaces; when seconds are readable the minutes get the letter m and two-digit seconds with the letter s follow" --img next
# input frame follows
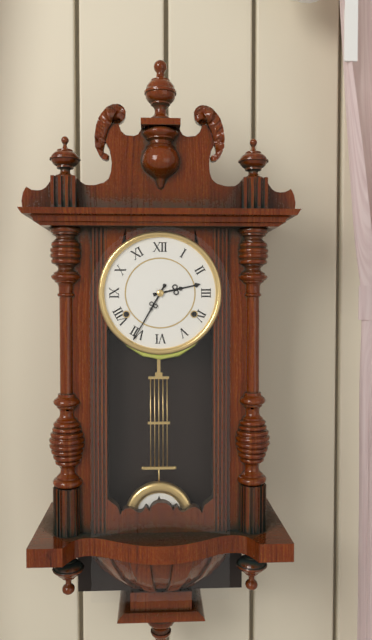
2h35
